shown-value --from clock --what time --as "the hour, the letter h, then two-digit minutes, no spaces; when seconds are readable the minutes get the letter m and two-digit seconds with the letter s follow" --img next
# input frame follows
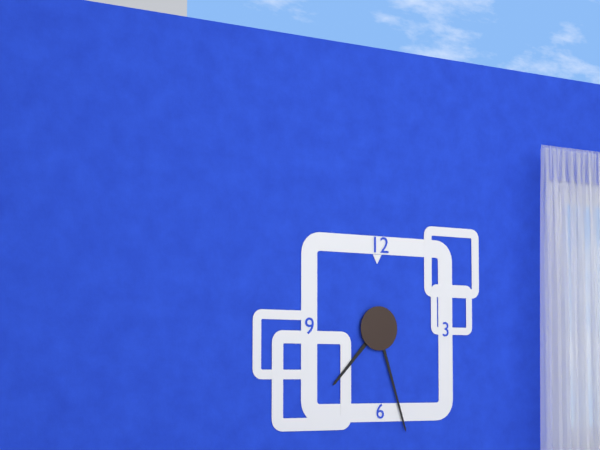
7h27
